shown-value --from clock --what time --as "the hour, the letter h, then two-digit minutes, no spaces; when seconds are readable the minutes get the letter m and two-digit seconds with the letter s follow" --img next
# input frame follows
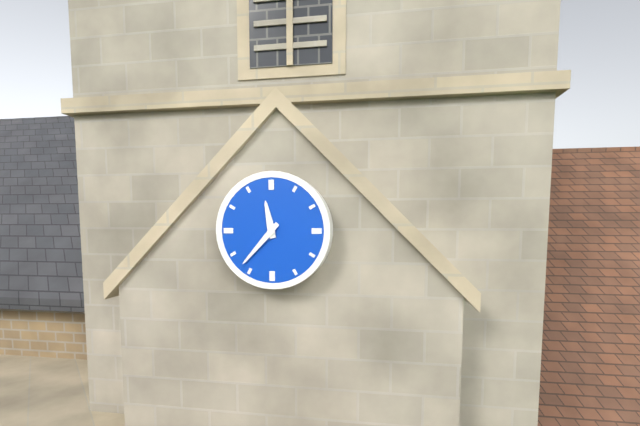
11h37
